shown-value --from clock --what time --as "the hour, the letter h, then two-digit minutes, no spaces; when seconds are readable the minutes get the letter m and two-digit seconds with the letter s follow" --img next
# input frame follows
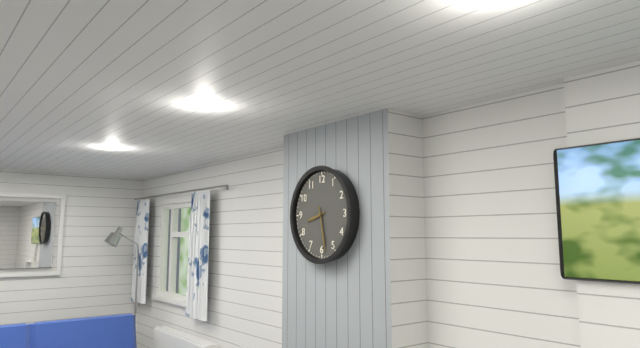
8h28
